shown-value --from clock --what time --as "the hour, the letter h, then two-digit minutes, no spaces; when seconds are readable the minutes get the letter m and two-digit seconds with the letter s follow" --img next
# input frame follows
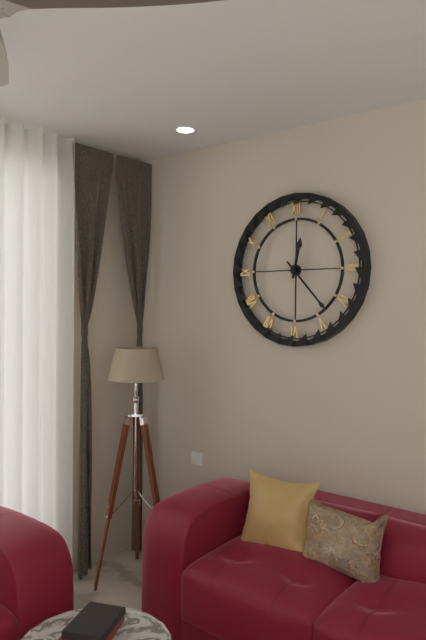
12h23
